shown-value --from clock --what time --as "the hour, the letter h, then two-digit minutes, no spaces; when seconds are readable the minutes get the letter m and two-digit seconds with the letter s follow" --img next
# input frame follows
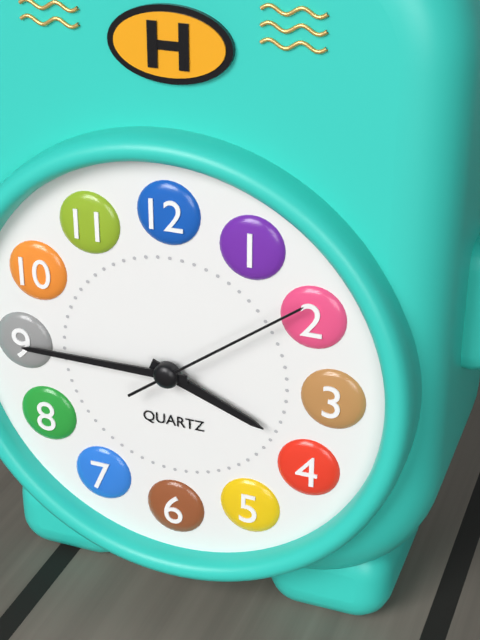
3h45m09s
